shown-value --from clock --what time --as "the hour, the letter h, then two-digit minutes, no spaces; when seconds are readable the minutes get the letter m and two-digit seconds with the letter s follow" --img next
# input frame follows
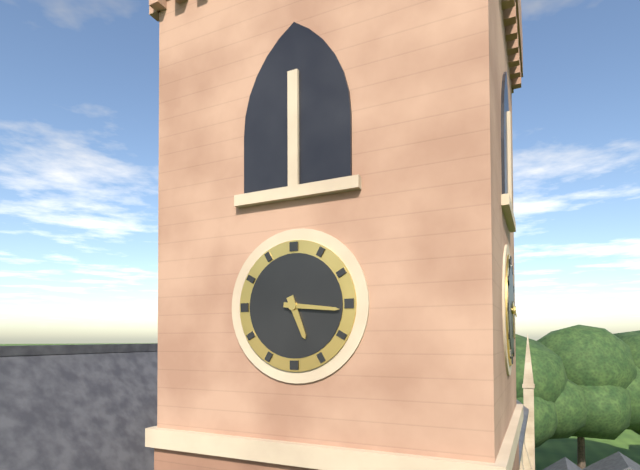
5h16
